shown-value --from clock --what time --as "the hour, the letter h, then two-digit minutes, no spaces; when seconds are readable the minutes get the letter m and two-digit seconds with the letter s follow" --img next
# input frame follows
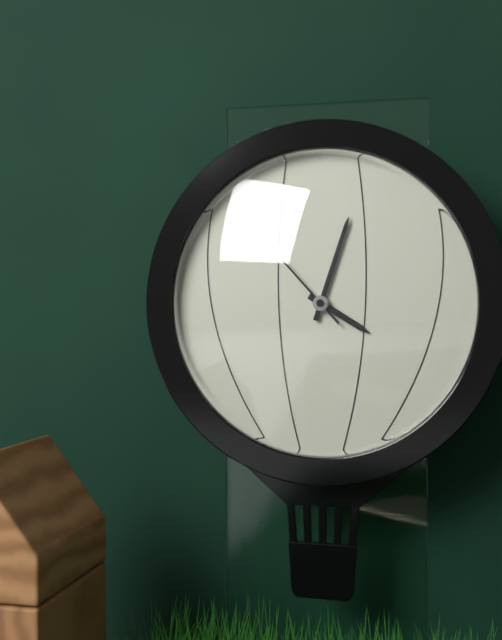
4h03m53s
